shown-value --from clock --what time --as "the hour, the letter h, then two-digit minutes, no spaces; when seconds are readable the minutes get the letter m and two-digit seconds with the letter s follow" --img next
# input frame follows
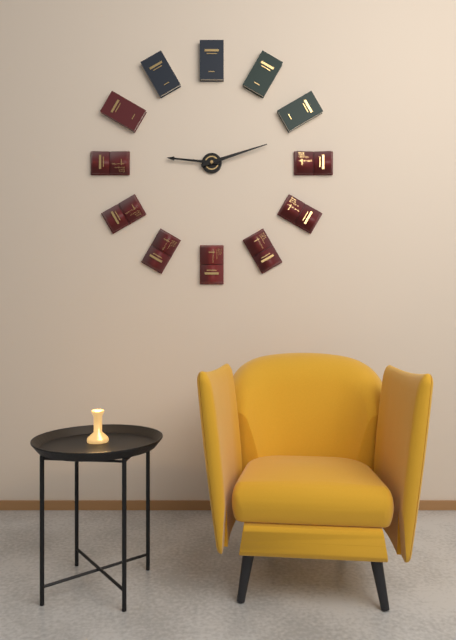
9h12
